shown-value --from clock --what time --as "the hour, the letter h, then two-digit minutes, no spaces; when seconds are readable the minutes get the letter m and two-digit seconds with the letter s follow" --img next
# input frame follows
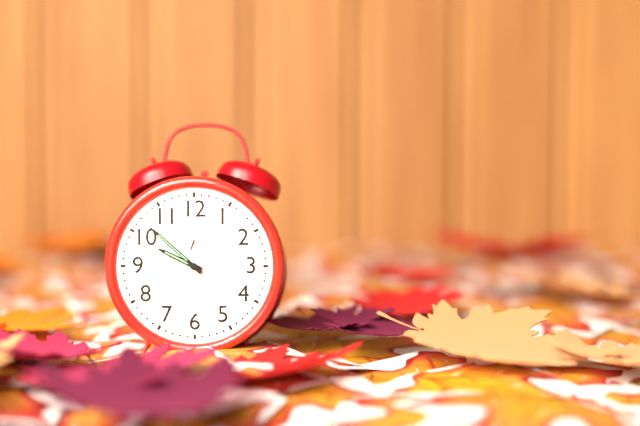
9h52
